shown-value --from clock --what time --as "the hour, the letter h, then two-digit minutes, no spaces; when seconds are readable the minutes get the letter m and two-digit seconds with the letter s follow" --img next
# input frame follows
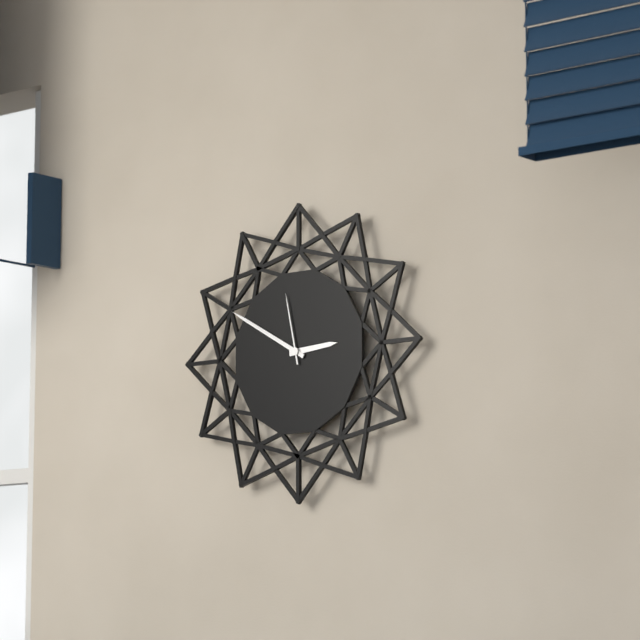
2h50m58s
